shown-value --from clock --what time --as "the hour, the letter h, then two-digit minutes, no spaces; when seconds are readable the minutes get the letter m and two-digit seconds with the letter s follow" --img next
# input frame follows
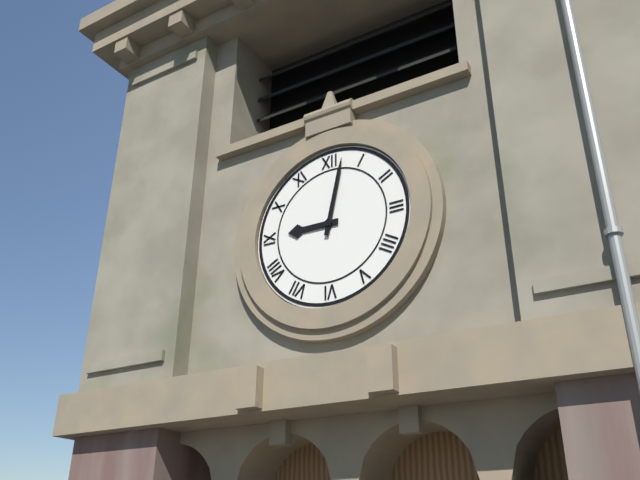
9h02
